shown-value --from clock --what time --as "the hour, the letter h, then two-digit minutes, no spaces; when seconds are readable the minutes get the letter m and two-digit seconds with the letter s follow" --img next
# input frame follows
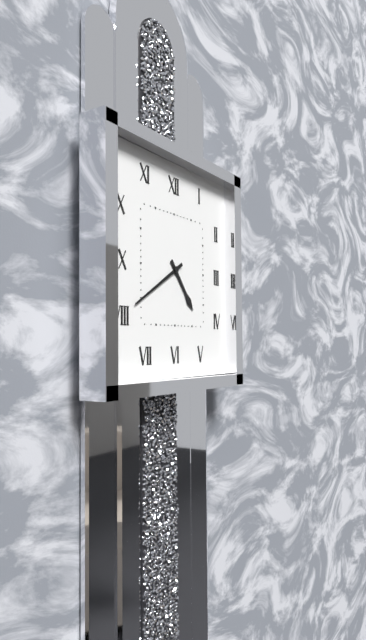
4h40
